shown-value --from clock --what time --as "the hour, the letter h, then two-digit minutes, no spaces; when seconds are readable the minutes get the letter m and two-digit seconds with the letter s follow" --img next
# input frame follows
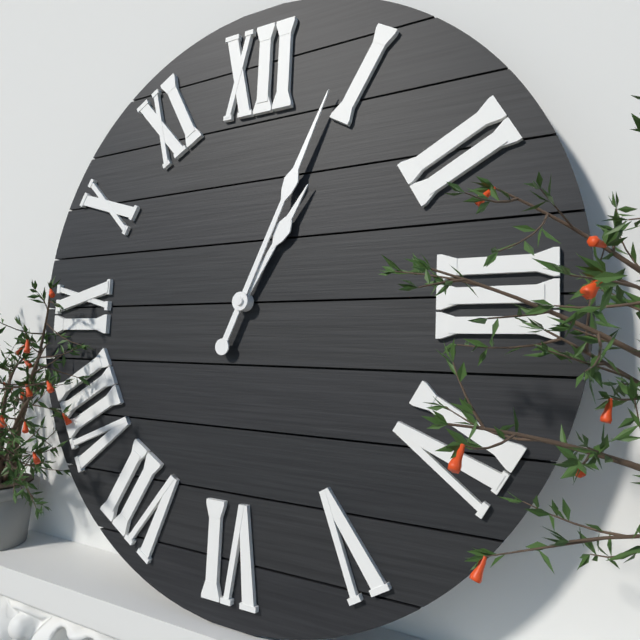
1h04
